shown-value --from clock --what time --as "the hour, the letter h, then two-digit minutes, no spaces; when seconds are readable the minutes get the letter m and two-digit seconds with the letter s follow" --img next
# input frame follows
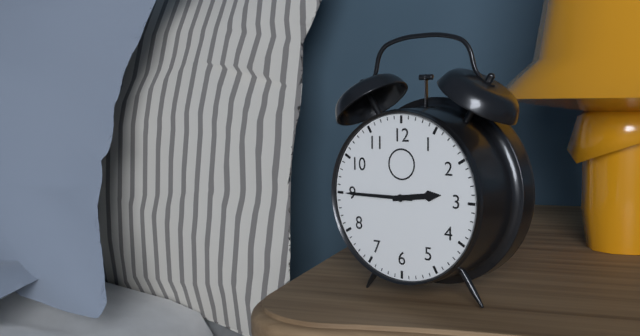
2h45
